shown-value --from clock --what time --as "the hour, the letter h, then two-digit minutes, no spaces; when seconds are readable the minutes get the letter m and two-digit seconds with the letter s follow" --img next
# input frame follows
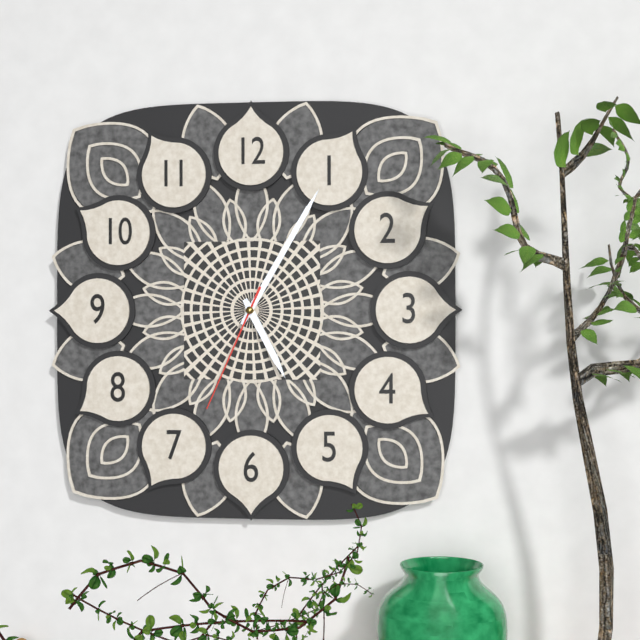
5h05m34s
